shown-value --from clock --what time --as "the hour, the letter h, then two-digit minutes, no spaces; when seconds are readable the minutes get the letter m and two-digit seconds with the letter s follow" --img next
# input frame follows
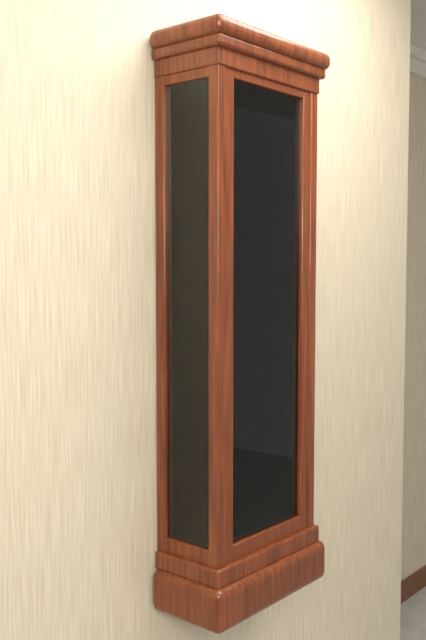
8h46
